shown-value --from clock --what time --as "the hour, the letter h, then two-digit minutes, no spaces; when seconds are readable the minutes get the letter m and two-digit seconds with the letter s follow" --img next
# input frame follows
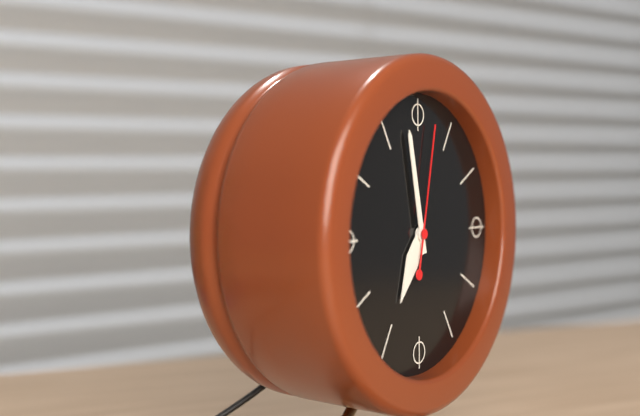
6h58m02s
